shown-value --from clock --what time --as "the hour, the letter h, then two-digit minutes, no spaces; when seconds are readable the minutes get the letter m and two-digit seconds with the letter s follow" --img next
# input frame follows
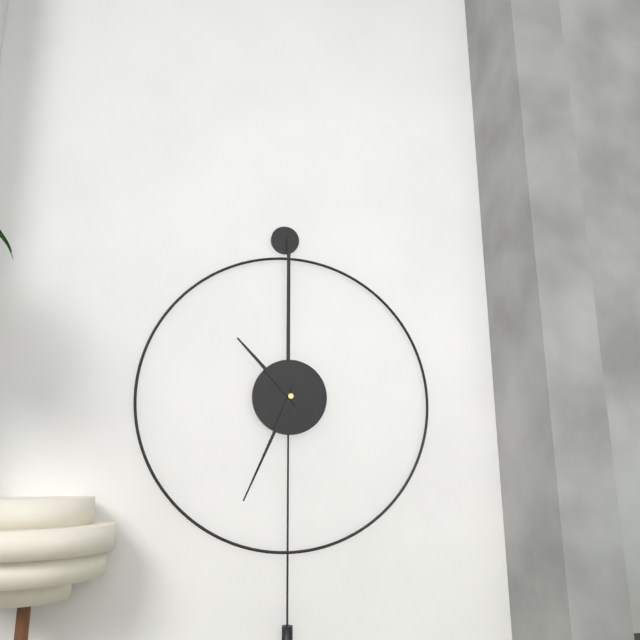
10h34
